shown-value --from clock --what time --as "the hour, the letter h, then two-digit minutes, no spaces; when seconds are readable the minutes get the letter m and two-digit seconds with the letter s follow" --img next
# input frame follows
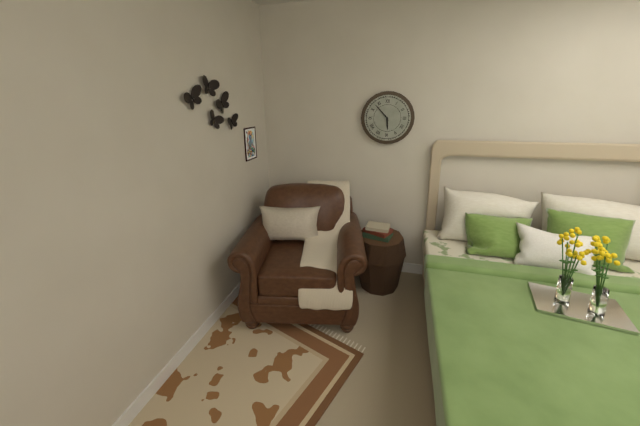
5h53
